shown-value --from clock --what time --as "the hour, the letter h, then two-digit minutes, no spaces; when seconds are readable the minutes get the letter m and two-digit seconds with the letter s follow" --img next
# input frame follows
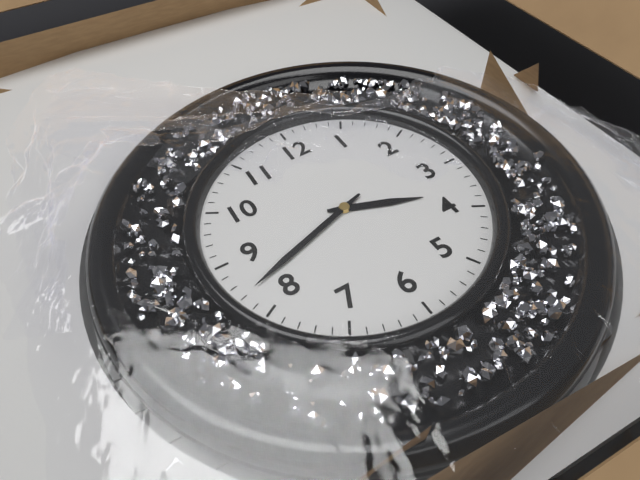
3h42
